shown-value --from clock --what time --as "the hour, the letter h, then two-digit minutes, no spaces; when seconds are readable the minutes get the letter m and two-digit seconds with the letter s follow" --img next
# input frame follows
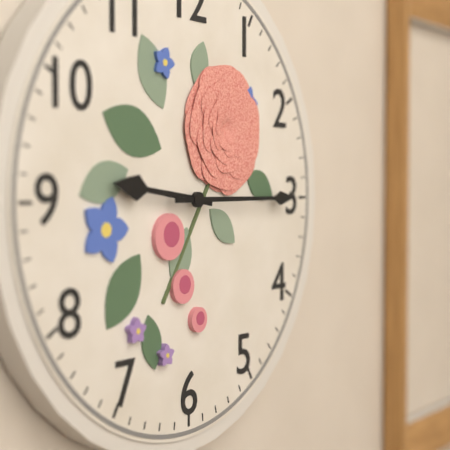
9h15
